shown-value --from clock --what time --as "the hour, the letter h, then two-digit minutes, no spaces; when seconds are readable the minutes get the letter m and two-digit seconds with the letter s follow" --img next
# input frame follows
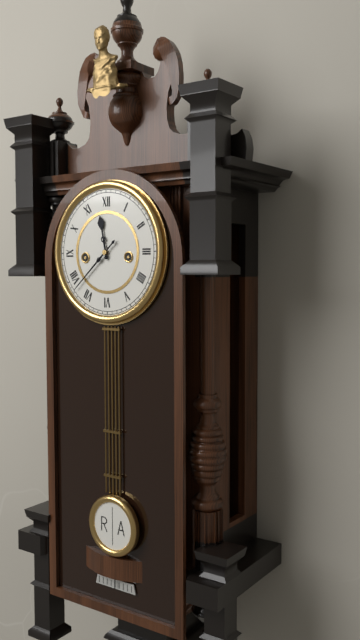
11h38
